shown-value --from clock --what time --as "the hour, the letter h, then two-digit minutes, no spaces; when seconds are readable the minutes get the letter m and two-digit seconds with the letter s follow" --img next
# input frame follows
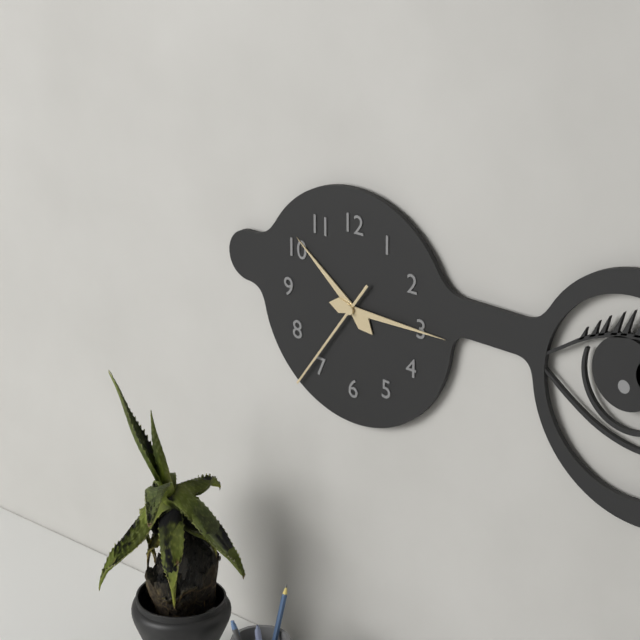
10h15m36s
